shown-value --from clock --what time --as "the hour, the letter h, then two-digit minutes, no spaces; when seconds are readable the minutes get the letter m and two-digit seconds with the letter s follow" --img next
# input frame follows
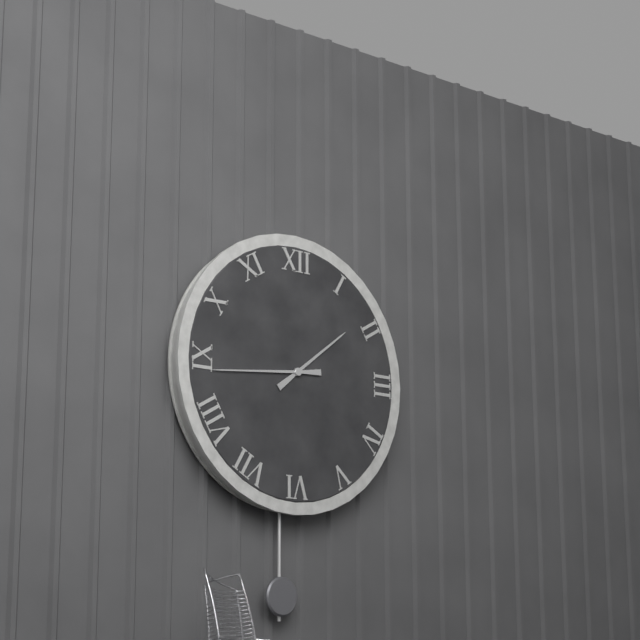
1h44
